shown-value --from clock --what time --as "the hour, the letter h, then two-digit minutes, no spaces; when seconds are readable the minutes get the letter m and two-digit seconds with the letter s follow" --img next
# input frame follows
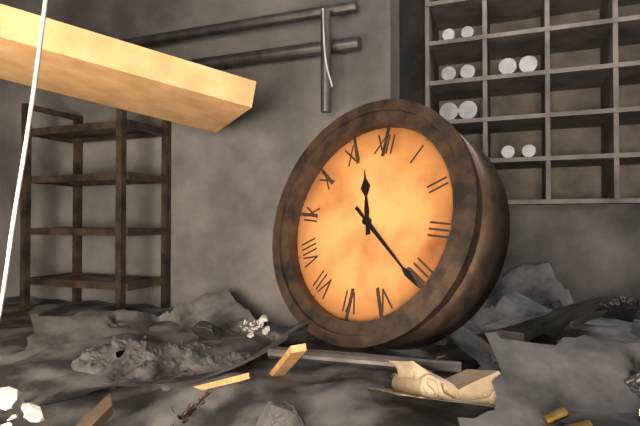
11h21
